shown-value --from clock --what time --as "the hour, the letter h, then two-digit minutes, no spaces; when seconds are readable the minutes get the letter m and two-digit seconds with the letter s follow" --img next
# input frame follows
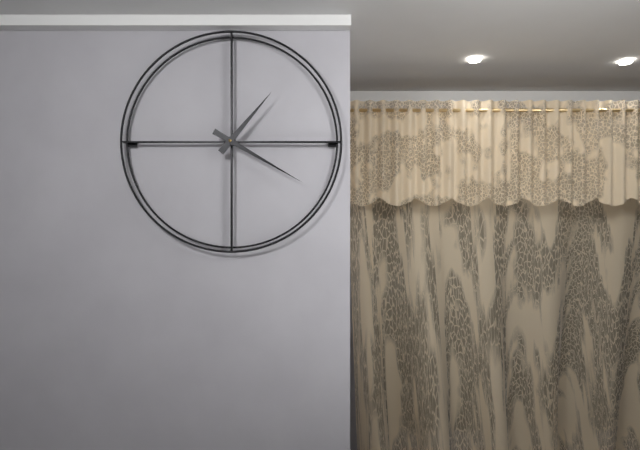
1h20
